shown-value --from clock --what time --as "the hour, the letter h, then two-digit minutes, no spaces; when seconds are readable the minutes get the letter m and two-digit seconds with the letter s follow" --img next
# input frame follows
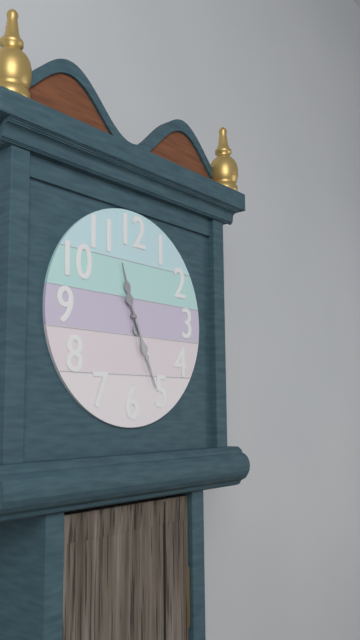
11h26
